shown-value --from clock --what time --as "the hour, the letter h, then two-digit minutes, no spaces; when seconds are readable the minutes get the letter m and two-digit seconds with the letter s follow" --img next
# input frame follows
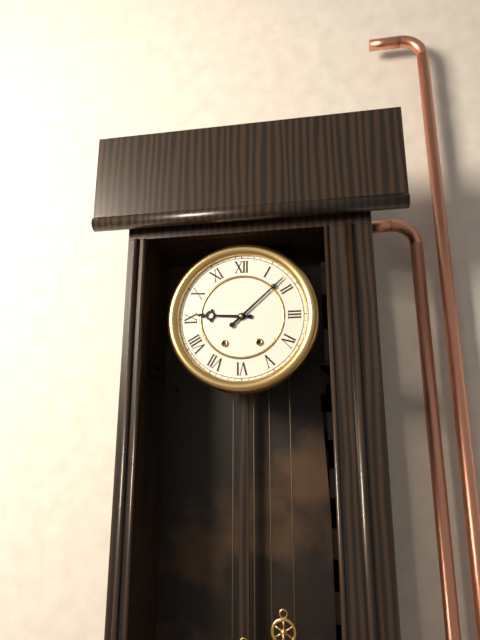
9h08
